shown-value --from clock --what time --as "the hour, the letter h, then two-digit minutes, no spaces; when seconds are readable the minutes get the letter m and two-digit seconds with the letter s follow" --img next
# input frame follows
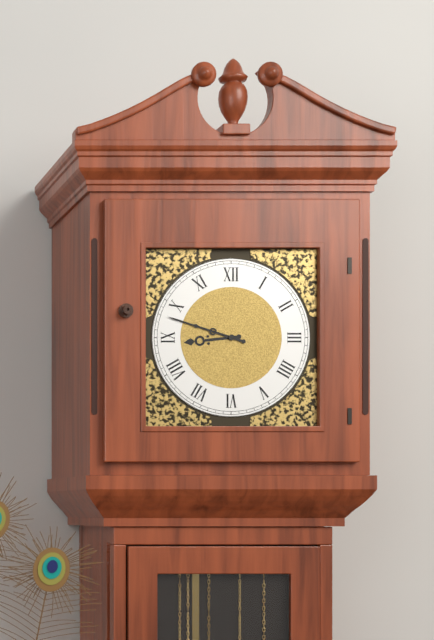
8h48
